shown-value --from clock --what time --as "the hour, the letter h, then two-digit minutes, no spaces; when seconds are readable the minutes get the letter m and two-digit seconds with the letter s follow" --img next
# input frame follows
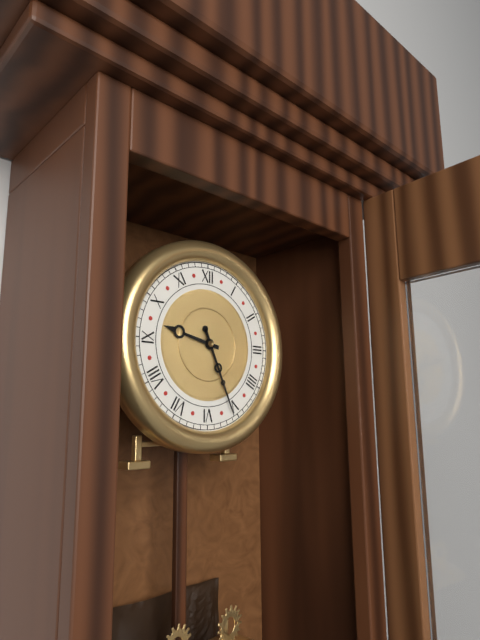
9h26
